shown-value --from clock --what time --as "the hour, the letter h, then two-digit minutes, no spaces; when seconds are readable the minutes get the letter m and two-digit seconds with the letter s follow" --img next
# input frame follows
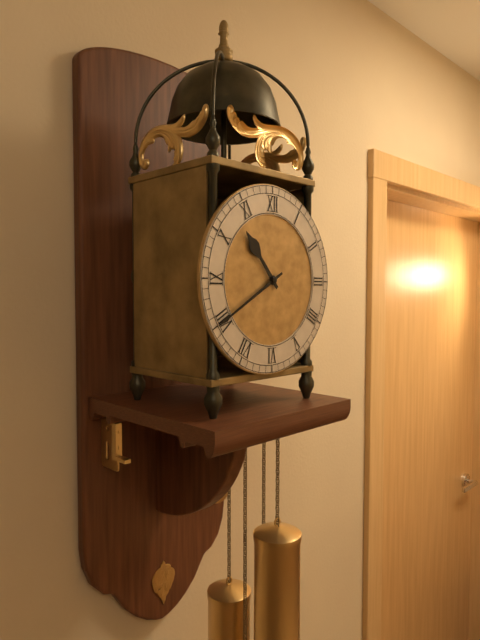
10h40
